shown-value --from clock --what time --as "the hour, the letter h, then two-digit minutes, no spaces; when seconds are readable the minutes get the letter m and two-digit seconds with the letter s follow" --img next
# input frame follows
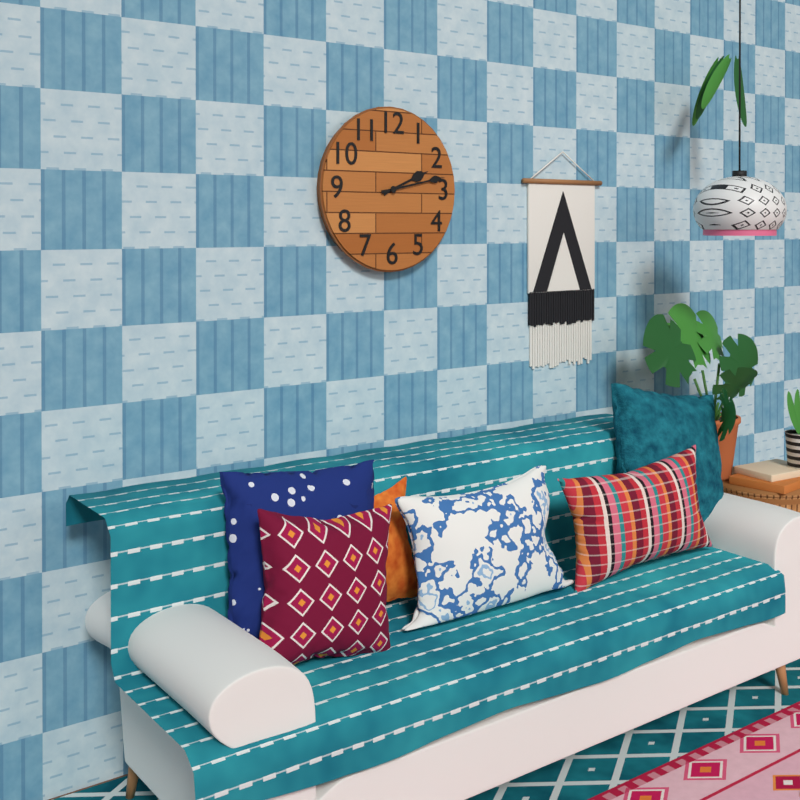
2h13
